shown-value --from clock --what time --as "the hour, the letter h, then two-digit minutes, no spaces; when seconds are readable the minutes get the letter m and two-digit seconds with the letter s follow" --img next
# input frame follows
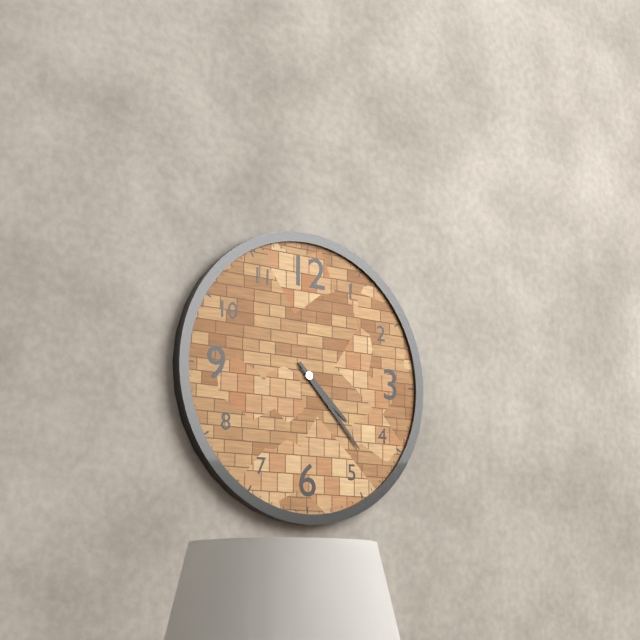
4h23
